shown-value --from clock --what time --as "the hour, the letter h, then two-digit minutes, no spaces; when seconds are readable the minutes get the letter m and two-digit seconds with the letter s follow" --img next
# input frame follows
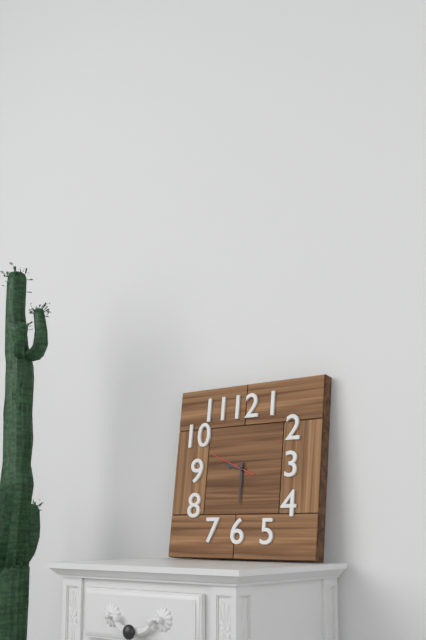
9h30
